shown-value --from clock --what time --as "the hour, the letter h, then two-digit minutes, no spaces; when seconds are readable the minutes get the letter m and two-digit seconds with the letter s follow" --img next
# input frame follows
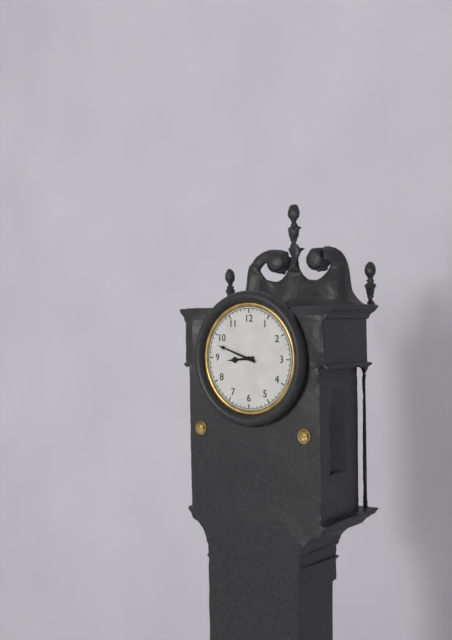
8h48
